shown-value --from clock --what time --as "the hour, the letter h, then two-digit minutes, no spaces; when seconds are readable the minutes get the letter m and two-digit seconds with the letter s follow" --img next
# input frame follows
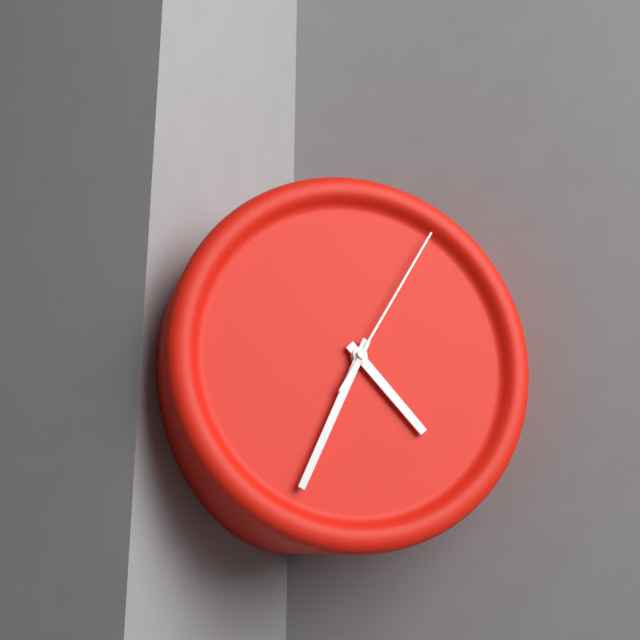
4h34m05s
